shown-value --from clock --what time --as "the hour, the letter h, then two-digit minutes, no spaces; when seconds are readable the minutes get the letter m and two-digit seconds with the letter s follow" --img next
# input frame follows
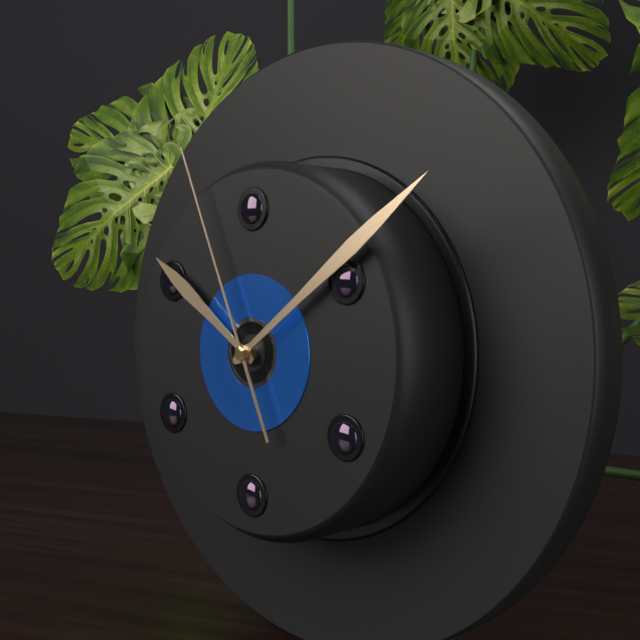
10h09m56s
